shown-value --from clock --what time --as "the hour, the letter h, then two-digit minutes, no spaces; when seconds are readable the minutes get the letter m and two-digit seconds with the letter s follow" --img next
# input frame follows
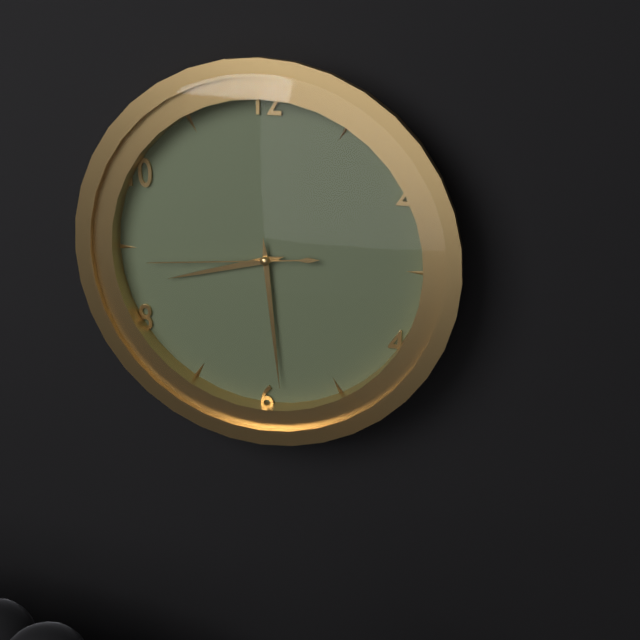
8h29m44s
